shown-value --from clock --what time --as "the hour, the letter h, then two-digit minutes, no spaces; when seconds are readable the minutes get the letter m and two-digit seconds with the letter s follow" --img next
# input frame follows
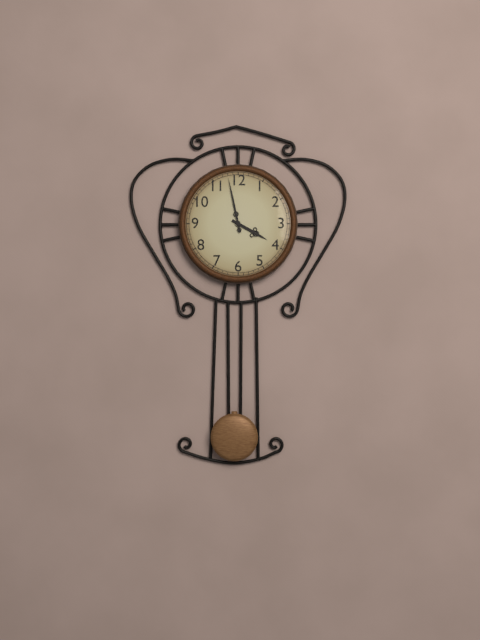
3h58
